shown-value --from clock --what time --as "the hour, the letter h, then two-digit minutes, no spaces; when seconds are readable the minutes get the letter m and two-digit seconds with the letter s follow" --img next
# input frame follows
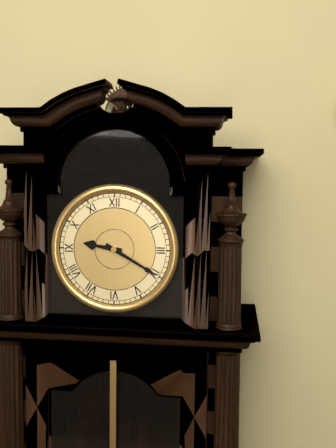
9h20
